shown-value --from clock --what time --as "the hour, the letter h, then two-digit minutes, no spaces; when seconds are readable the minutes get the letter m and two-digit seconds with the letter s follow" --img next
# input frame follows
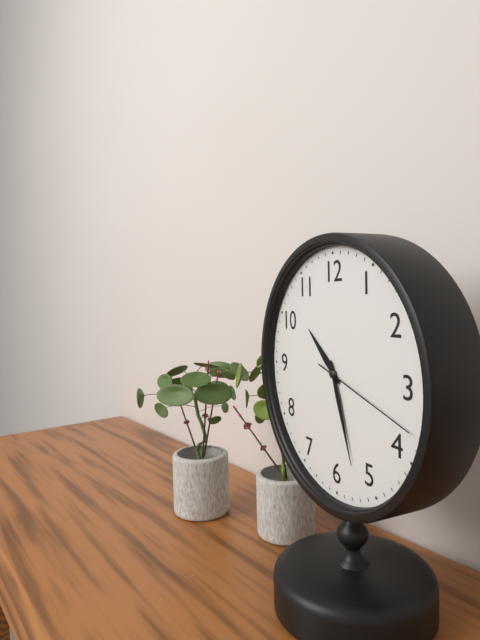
10h27m18s
